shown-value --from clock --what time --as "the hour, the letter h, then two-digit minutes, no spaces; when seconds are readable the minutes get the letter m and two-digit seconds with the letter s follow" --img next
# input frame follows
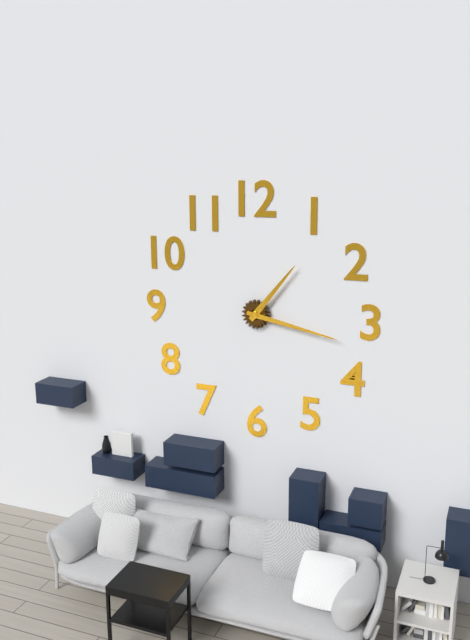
1h17
